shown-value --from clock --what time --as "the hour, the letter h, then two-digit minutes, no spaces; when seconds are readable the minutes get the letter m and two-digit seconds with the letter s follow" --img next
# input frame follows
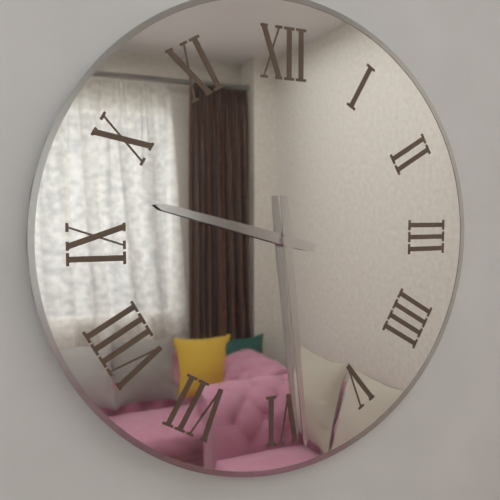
9h29
